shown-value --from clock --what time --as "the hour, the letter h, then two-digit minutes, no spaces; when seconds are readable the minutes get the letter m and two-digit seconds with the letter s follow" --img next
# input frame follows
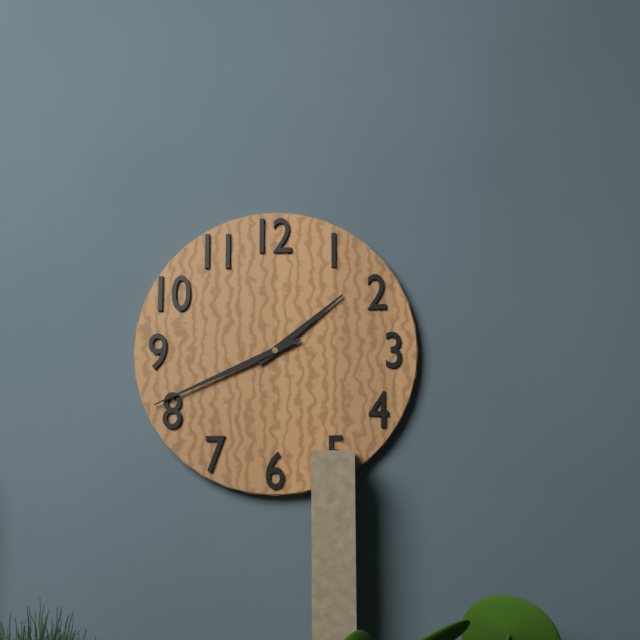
1h41
